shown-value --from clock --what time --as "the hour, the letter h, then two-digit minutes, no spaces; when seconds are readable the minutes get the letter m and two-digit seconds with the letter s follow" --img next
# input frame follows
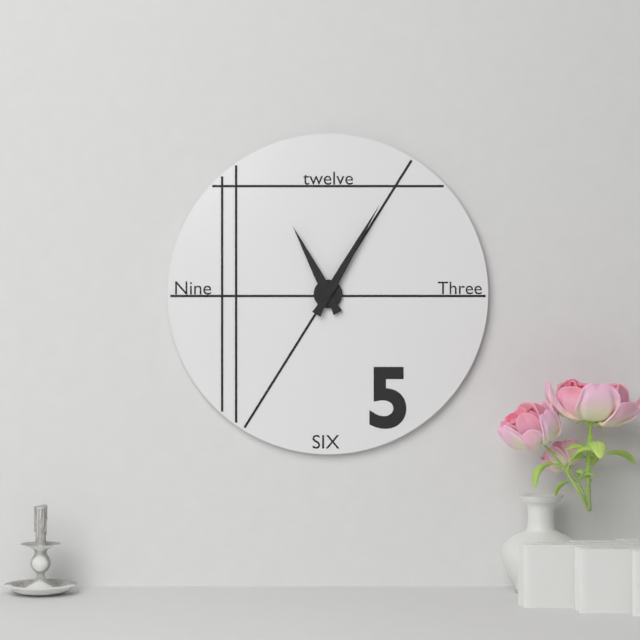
11h05
